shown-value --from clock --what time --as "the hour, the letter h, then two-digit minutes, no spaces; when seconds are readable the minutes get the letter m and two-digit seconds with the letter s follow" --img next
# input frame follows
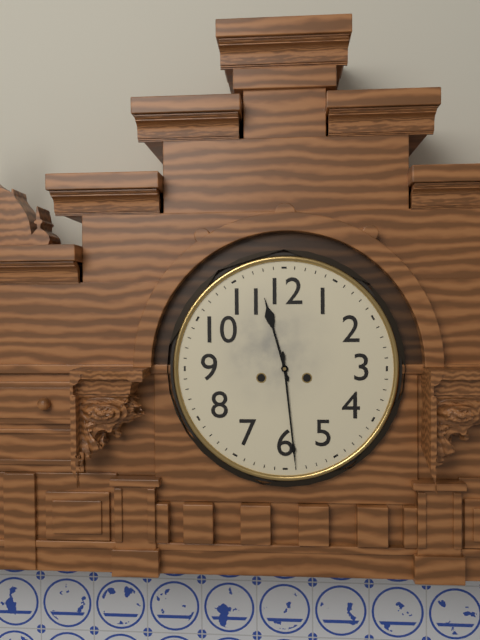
11h29
